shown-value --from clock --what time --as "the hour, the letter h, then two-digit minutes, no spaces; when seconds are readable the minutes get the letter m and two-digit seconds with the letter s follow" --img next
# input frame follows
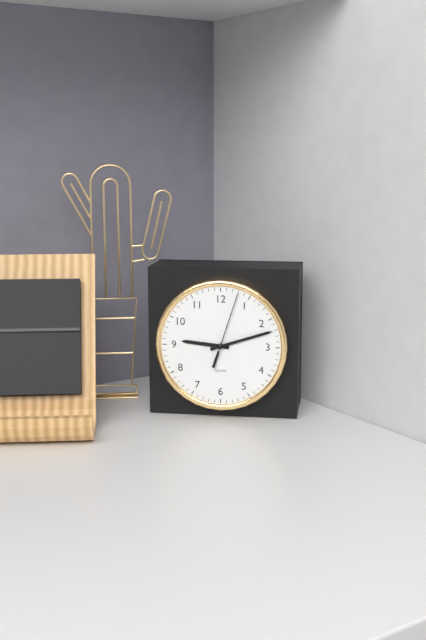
9h12m03s
